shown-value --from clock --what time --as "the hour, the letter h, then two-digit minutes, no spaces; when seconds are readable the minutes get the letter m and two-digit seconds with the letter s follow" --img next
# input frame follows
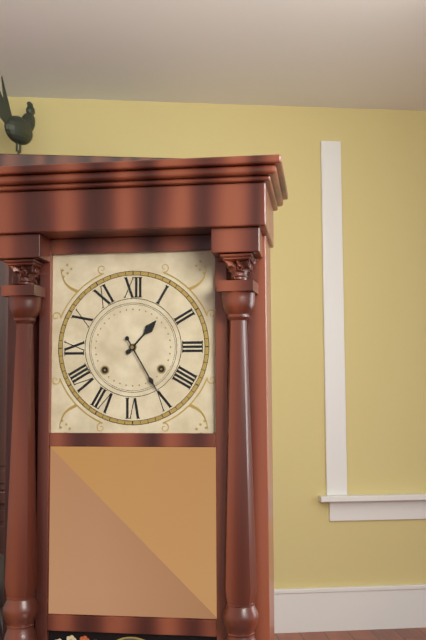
1h25
